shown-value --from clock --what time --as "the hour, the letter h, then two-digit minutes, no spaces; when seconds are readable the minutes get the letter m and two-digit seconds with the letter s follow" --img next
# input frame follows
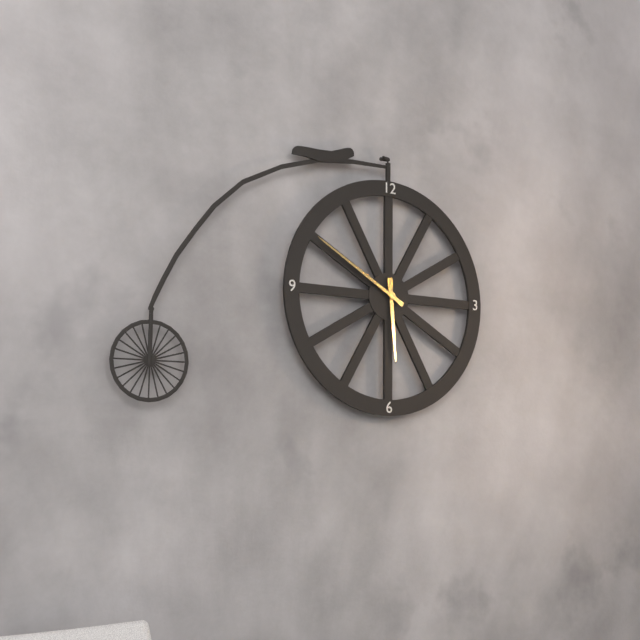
5h50
